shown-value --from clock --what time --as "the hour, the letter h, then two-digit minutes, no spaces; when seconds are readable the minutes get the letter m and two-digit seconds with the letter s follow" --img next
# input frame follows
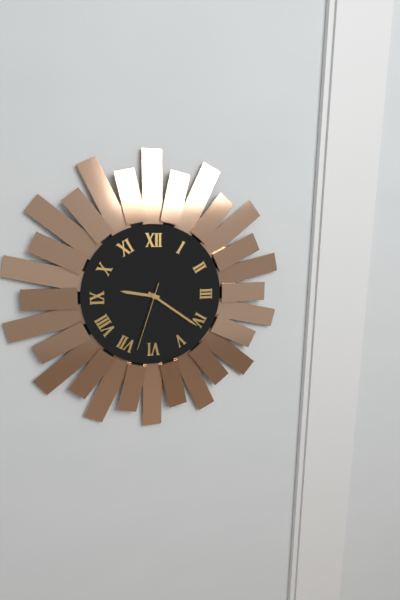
9h21m33s
